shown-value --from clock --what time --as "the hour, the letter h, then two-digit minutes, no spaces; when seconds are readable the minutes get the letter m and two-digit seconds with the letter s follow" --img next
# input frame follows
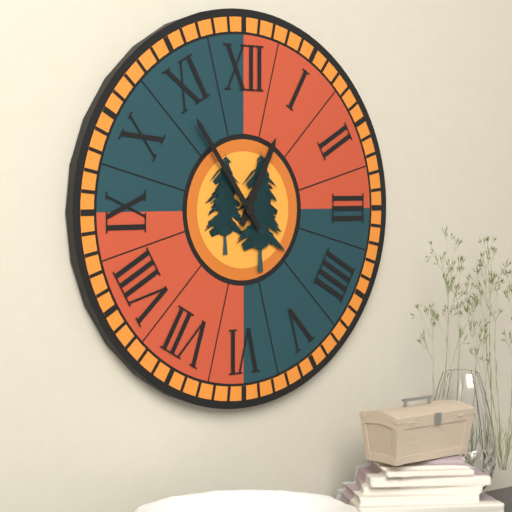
12h54
